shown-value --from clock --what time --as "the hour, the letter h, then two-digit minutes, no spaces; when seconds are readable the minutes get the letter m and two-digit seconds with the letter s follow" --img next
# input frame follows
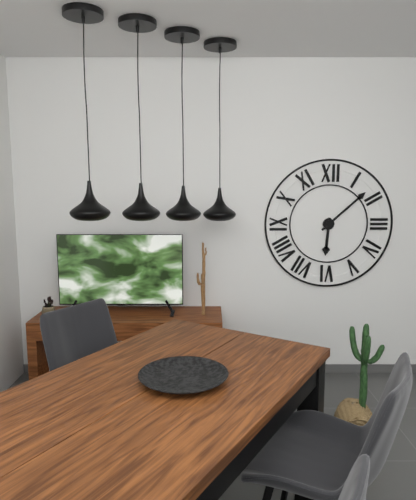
6h08
